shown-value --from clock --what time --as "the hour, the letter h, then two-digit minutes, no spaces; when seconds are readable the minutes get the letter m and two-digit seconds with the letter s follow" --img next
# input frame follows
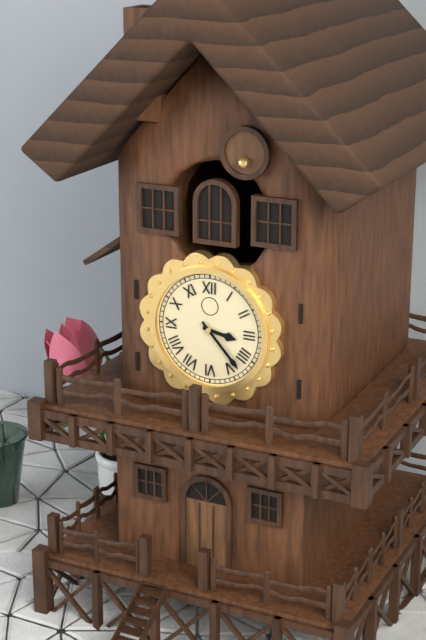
3h23
